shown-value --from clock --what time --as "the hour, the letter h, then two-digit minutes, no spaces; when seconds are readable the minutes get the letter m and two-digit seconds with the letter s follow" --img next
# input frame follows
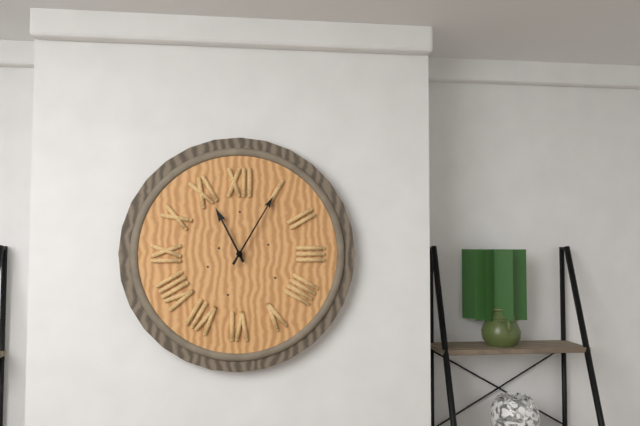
11h05
